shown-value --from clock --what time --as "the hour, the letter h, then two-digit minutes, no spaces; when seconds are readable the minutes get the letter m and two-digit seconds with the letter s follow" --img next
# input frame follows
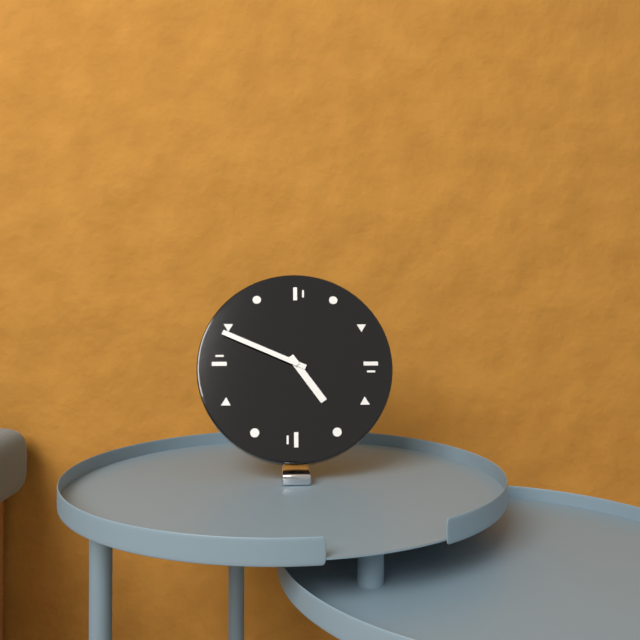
4h49
